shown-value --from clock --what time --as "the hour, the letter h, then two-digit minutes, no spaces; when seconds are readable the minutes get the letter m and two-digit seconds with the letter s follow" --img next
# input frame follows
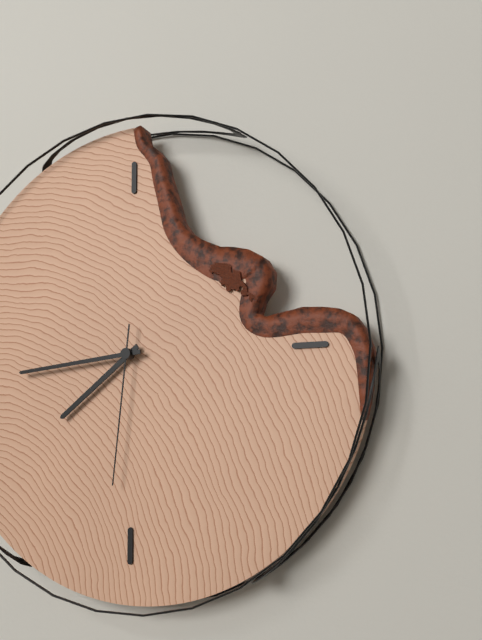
7h44m31s
